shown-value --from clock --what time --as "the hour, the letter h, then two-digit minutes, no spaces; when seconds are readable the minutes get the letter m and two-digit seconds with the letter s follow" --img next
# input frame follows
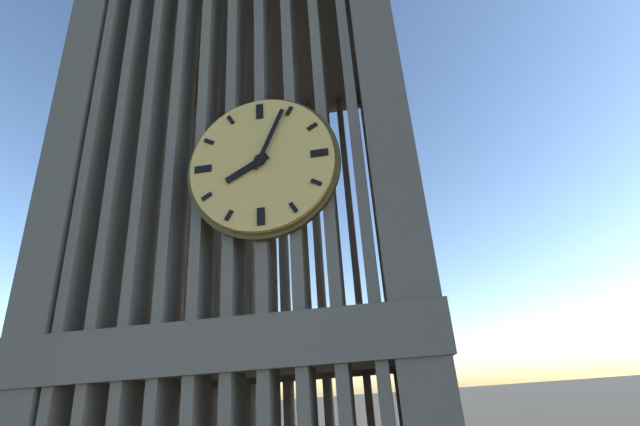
8h04
